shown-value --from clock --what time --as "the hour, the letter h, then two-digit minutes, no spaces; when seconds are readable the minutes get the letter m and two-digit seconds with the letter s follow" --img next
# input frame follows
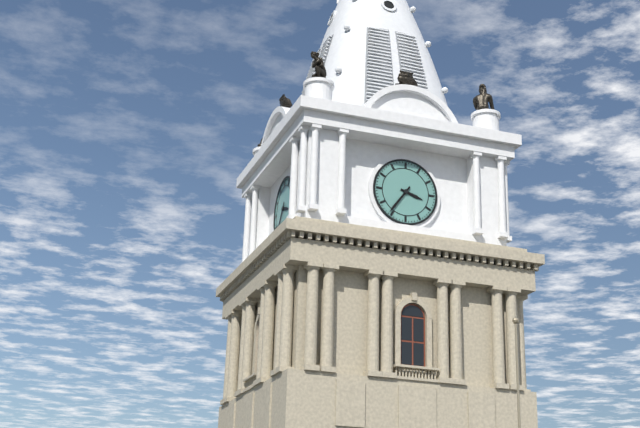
3h36
